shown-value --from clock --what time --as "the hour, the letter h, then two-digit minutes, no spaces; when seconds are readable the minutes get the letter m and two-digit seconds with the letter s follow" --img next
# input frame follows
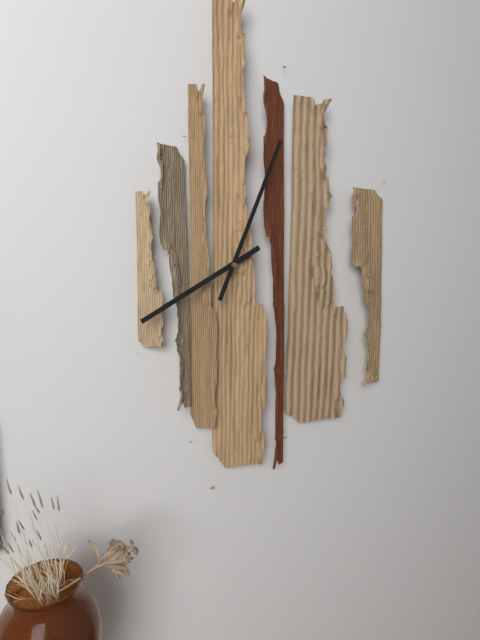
8h04
